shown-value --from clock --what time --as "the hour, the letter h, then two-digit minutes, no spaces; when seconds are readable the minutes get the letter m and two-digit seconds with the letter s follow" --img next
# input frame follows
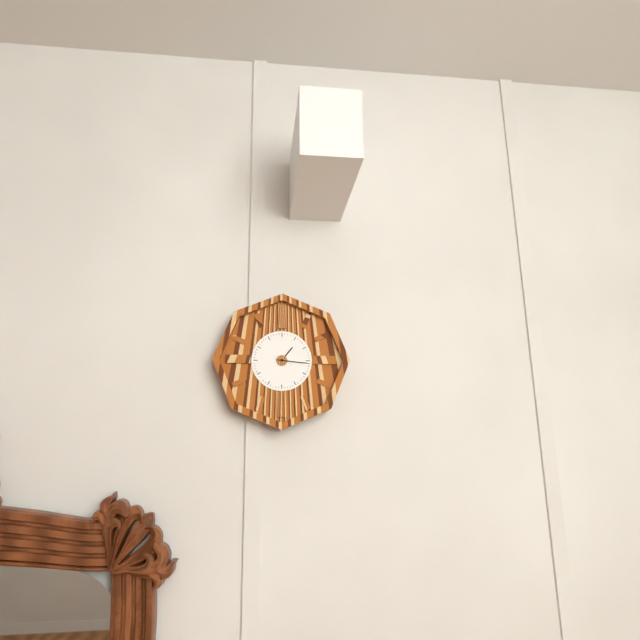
1h16
